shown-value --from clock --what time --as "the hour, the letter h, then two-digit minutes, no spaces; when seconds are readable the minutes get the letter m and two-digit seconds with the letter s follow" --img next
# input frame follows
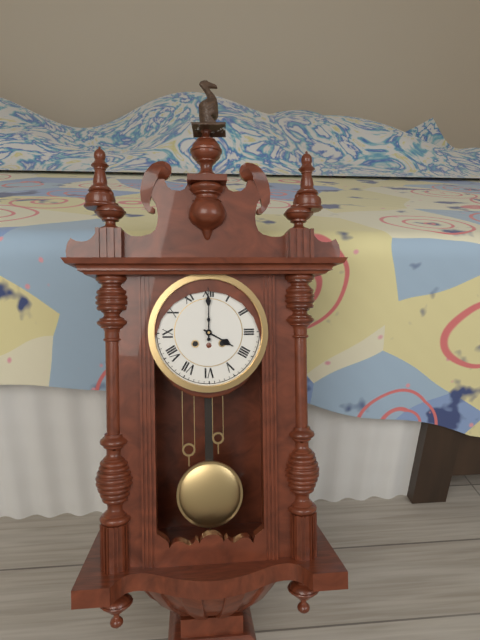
4h00
